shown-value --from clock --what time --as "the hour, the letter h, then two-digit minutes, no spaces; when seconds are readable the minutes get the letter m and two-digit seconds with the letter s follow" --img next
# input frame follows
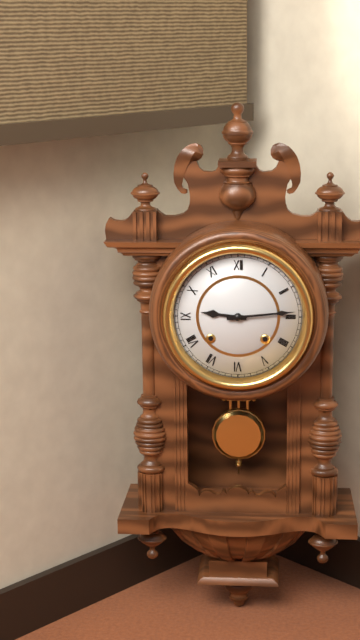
9h14
